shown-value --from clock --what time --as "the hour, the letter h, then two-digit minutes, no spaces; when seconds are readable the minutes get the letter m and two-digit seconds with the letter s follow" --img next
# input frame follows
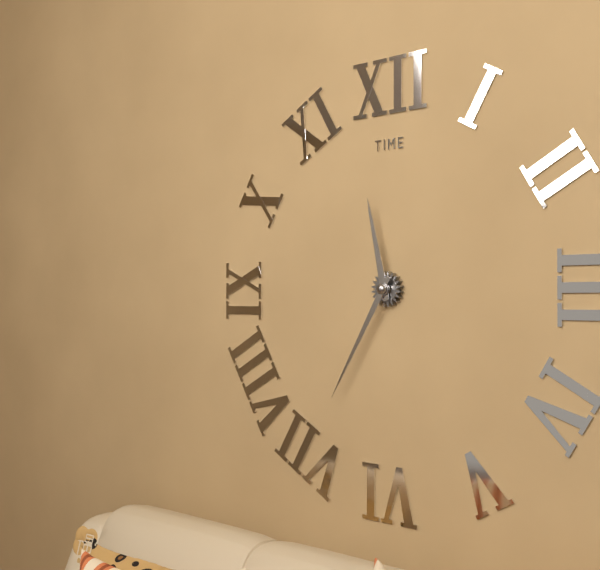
11h35
